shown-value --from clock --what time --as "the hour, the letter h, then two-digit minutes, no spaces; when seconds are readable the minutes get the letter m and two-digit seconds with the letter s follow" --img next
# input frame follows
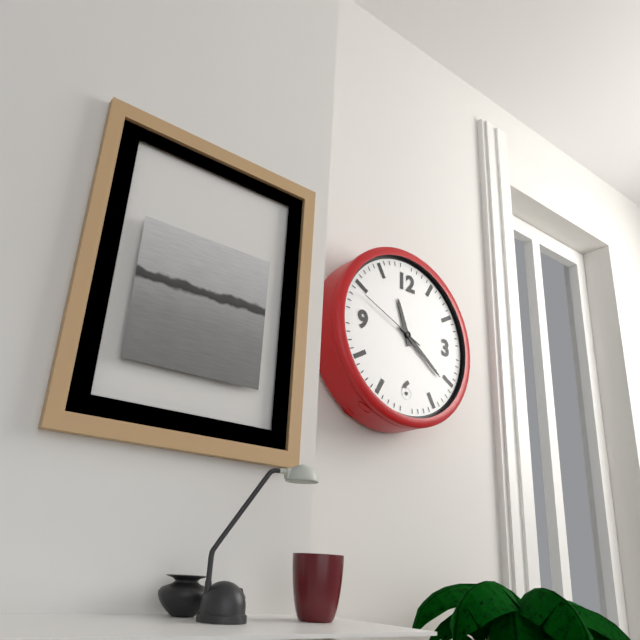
11h21m49s
